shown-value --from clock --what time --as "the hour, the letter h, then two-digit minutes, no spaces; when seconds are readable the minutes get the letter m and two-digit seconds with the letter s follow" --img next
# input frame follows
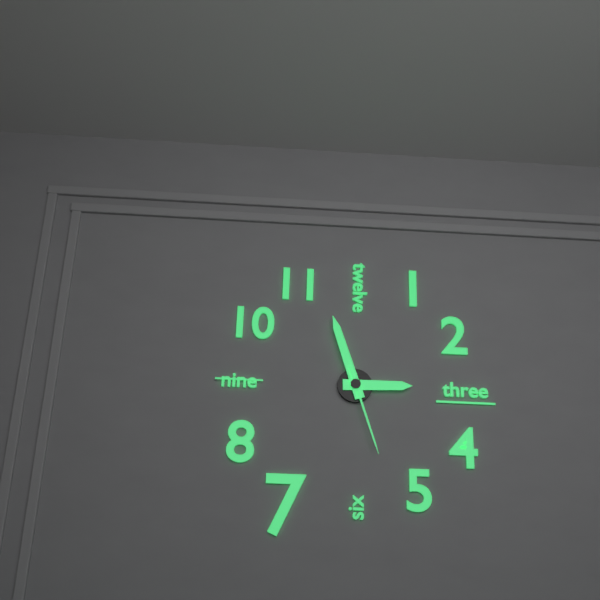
2h57m27s
